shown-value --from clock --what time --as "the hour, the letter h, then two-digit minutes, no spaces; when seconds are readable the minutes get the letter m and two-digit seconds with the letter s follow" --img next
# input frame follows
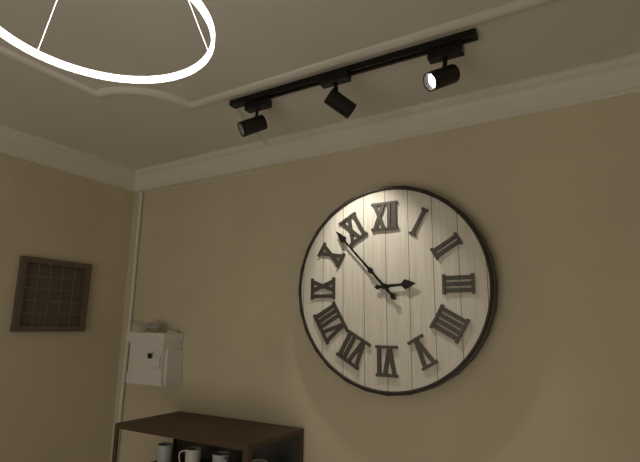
2h53
